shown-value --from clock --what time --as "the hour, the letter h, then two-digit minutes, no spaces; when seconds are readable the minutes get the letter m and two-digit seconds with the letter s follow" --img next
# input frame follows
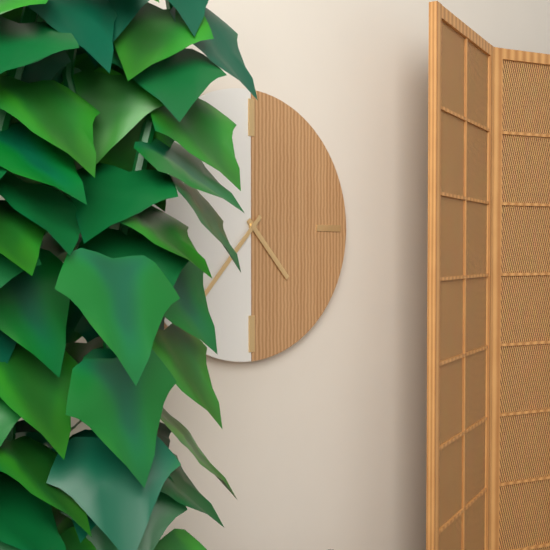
4h37
